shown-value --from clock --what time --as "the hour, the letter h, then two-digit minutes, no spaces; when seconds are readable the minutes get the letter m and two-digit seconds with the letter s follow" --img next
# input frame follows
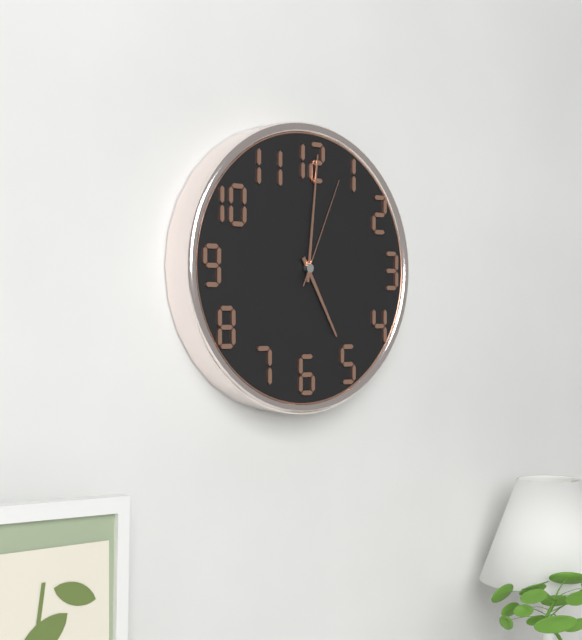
5h01m04s
